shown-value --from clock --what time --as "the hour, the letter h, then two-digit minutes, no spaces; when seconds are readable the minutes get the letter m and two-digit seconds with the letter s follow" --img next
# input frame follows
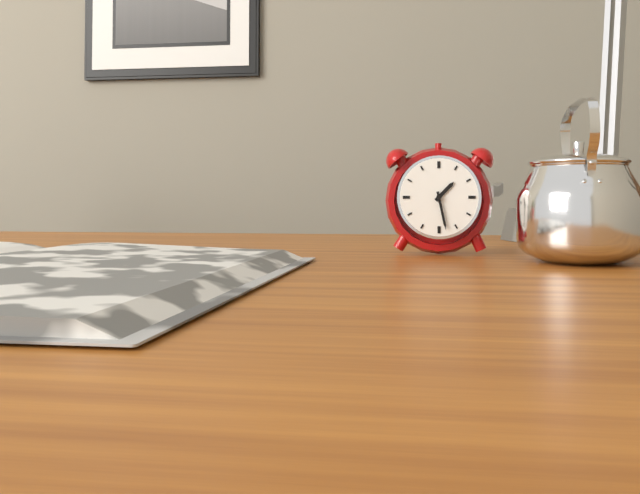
1h28
